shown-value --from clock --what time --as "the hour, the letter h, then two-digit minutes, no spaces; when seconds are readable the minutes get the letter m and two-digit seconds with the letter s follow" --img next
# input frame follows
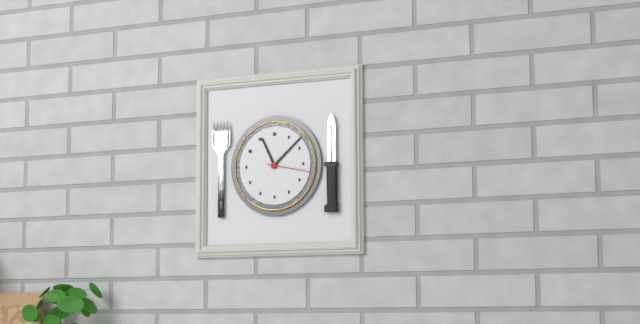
11h08
